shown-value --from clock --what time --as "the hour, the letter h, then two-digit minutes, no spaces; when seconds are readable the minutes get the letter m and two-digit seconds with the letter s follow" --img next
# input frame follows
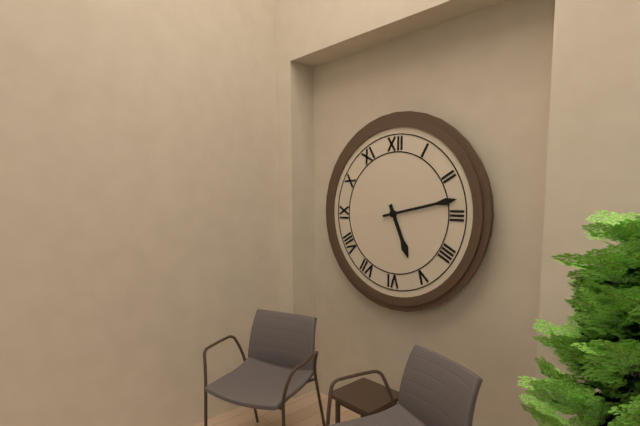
5h13
